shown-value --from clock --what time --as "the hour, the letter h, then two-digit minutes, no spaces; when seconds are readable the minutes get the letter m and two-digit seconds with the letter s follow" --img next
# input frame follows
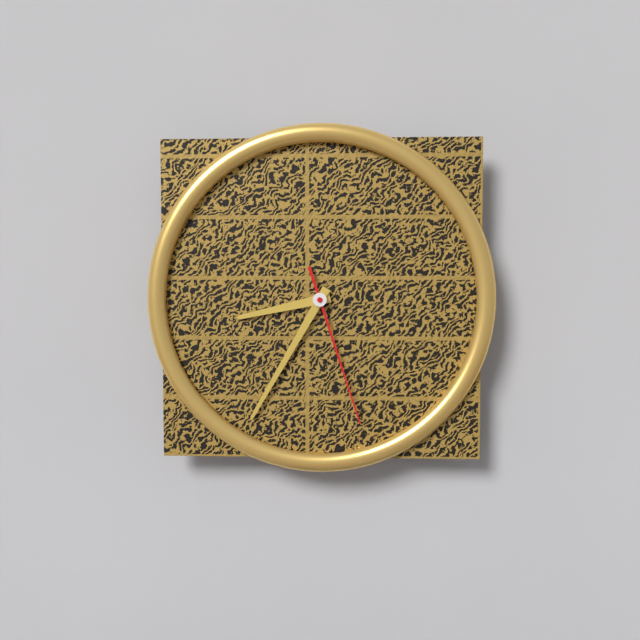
8h35m27s
